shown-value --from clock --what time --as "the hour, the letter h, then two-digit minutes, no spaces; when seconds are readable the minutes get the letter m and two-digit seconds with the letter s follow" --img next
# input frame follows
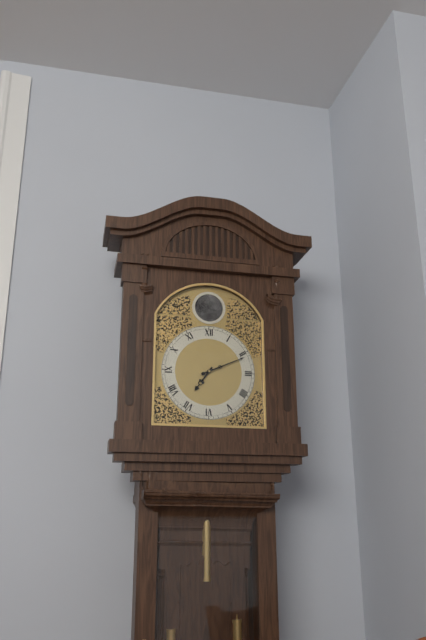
7h11
